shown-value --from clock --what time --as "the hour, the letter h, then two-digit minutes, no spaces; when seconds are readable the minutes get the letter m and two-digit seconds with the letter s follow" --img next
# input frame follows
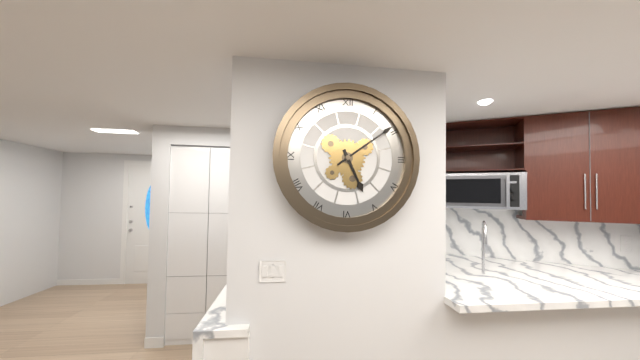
5h09
